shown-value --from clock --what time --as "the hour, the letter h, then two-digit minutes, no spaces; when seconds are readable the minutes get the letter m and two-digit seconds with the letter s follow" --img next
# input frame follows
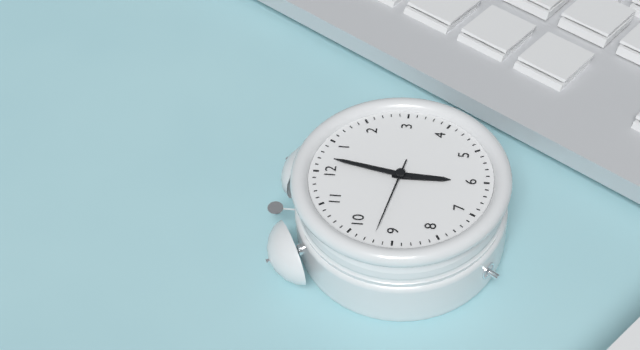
6h02m47s
